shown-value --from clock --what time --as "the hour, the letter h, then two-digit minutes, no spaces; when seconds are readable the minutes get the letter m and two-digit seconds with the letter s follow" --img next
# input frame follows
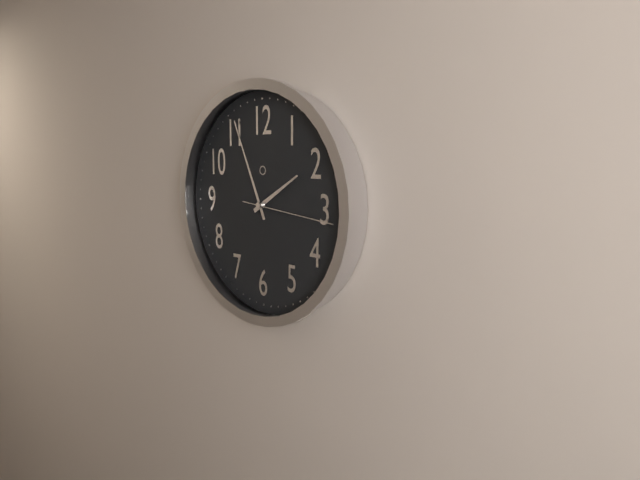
1h56m16s
